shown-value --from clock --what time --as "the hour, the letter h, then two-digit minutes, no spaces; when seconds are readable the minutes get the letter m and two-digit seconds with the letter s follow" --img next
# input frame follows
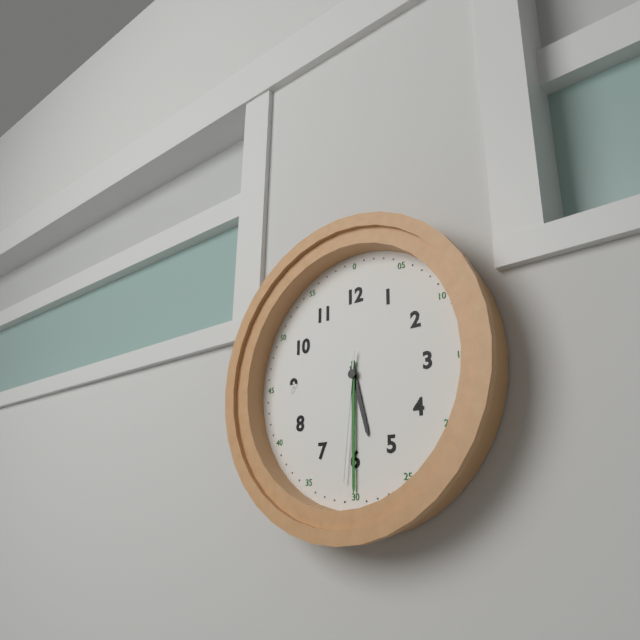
5h30m31s
